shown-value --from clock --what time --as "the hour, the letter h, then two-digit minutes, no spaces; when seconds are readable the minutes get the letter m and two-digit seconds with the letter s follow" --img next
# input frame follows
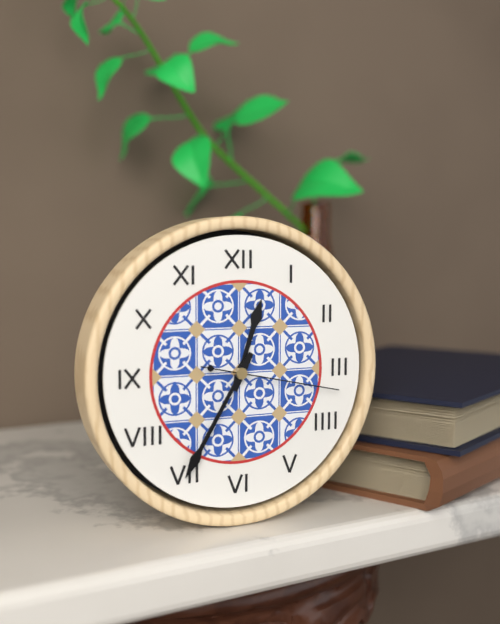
12h35m17s
